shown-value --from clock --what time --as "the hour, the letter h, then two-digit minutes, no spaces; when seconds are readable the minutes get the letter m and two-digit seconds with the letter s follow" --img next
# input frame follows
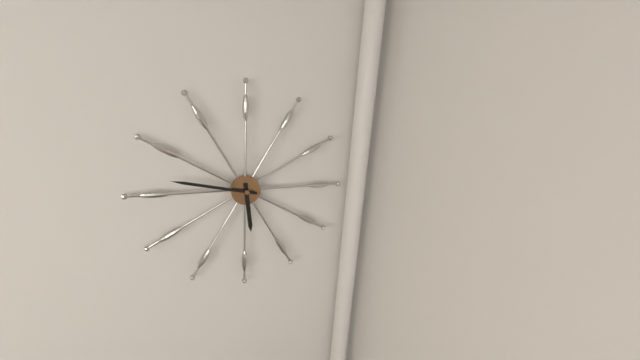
5h47
